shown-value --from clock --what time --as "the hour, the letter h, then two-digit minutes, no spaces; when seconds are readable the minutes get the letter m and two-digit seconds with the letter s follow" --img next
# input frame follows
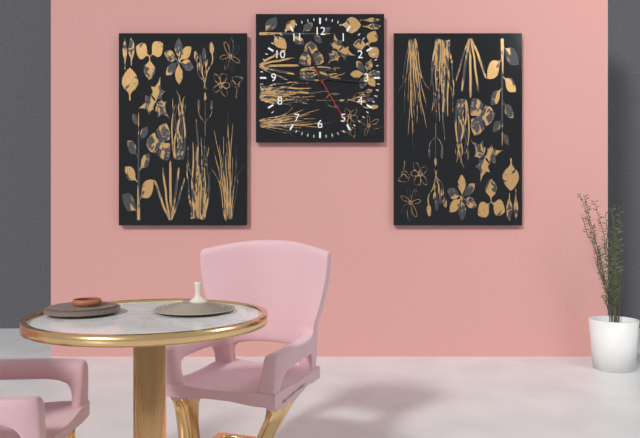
11h16m25s
